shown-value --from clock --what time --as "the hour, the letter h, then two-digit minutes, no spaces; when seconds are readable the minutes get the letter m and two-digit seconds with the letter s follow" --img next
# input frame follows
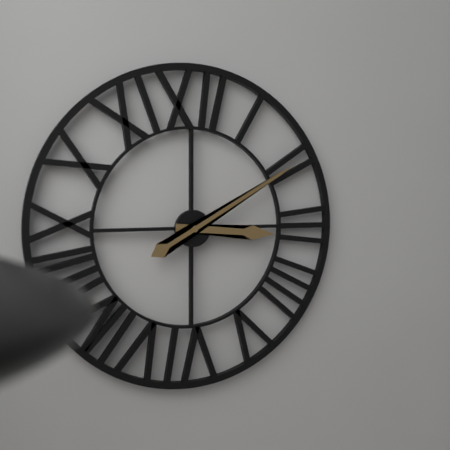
3h10
